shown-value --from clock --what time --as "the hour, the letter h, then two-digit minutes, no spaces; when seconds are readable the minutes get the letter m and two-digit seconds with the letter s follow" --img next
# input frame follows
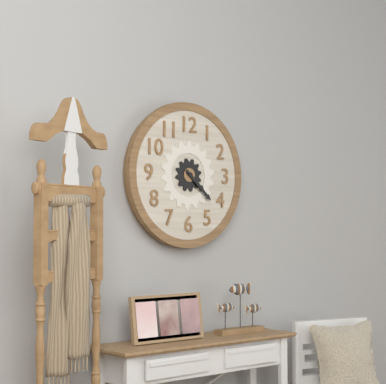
4h22
